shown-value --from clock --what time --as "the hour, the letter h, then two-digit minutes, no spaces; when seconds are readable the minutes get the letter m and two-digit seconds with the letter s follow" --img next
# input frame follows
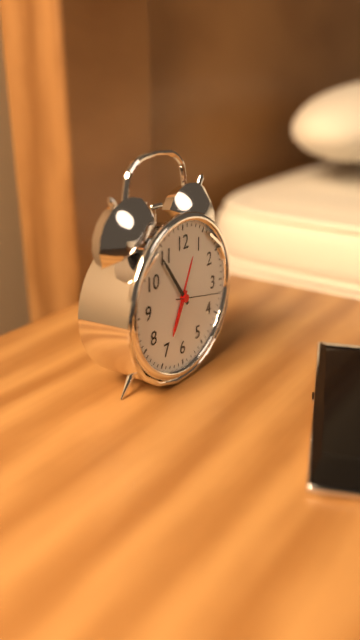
6h54
